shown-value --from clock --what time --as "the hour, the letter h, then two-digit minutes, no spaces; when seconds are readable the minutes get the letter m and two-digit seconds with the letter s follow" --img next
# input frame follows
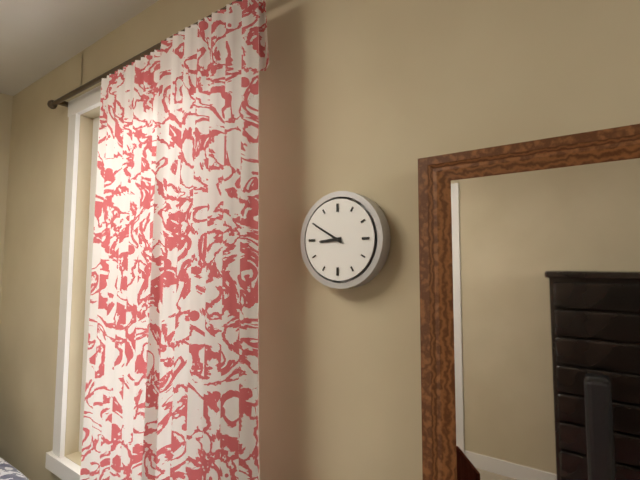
8h50
